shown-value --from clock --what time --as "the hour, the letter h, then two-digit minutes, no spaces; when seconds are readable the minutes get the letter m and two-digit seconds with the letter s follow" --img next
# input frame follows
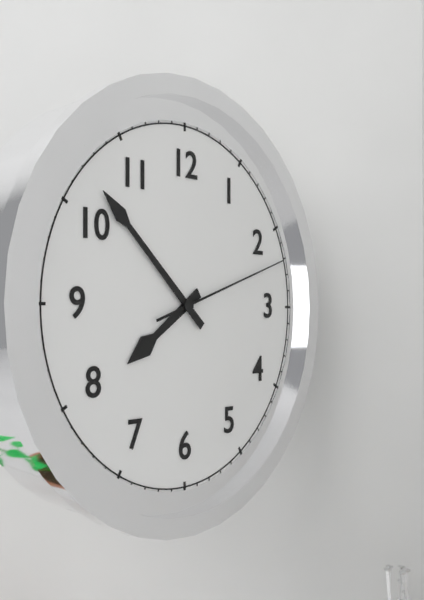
7h52m12s
